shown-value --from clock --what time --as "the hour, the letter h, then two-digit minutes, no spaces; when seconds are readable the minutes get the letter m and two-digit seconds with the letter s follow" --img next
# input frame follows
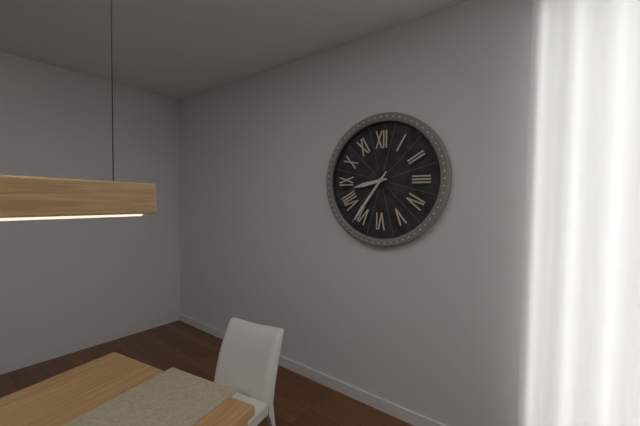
8h36
